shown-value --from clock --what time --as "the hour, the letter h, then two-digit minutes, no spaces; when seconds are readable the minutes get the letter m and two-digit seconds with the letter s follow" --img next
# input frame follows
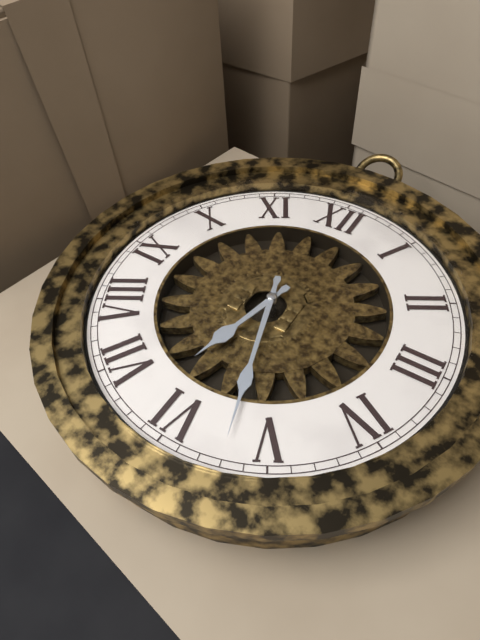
6h27
